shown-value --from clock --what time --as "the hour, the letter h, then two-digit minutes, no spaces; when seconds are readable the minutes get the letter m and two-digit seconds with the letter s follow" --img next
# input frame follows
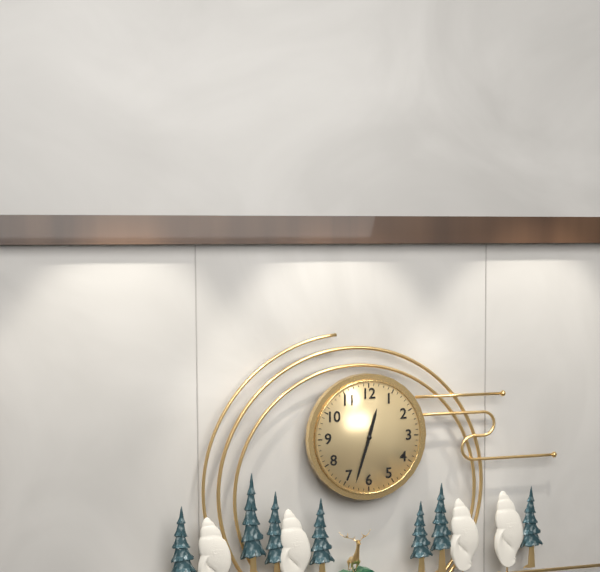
12h33
